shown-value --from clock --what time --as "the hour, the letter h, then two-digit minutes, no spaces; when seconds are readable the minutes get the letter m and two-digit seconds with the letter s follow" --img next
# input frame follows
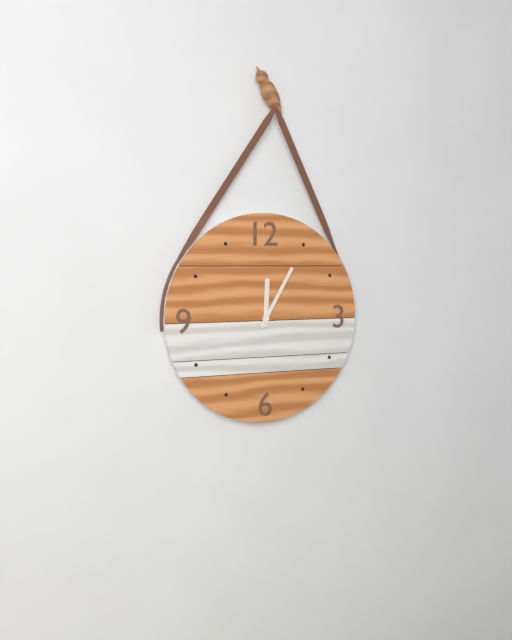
12h05
